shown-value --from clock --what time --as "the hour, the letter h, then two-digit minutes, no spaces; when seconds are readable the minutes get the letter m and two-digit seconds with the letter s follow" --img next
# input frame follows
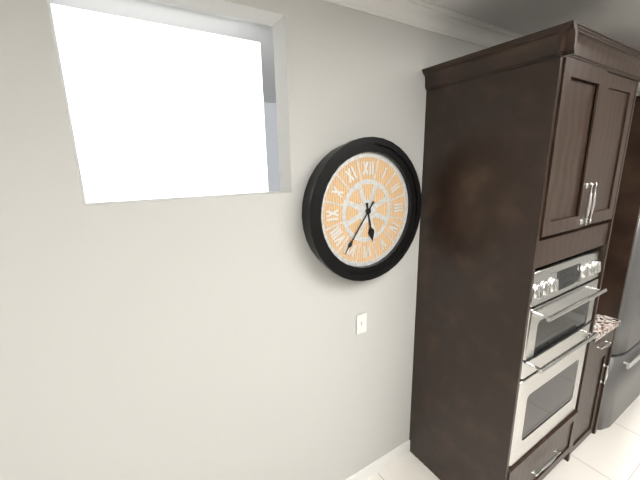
5h36
